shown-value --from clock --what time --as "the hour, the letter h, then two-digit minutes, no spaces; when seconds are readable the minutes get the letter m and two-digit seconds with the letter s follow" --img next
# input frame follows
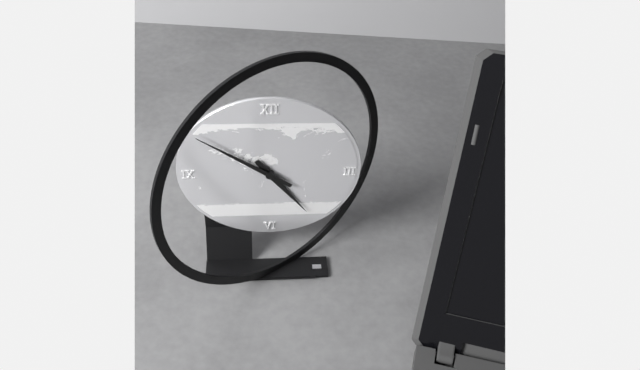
4h51
